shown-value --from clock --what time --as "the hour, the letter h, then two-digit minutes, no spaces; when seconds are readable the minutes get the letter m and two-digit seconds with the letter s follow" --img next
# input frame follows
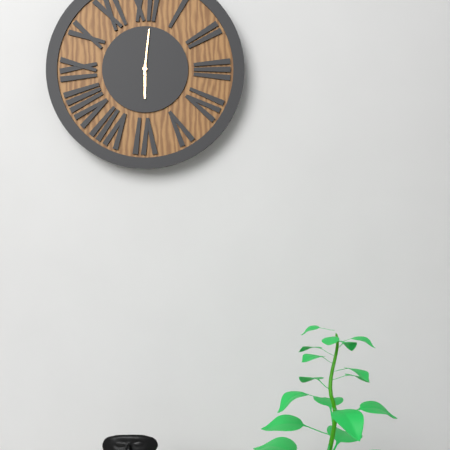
6h01
